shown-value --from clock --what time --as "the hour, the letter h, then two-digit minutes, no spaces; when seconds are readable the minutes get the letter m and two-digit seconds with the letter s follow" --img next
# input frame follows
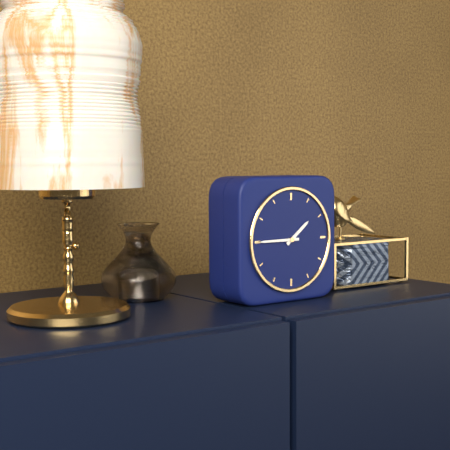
1h45
